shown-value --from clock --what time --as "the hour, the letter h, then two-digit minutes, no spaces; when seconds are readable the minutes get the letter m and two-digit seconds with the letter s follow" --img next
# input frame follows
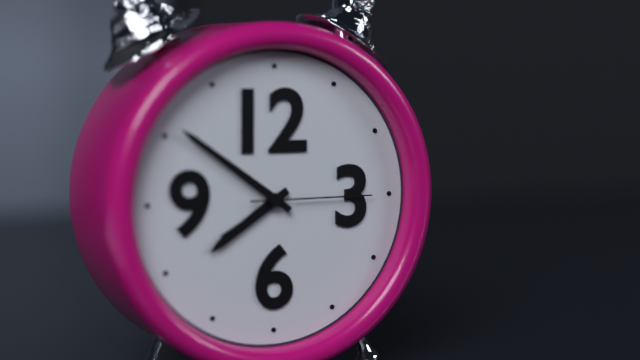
7h51m15s
